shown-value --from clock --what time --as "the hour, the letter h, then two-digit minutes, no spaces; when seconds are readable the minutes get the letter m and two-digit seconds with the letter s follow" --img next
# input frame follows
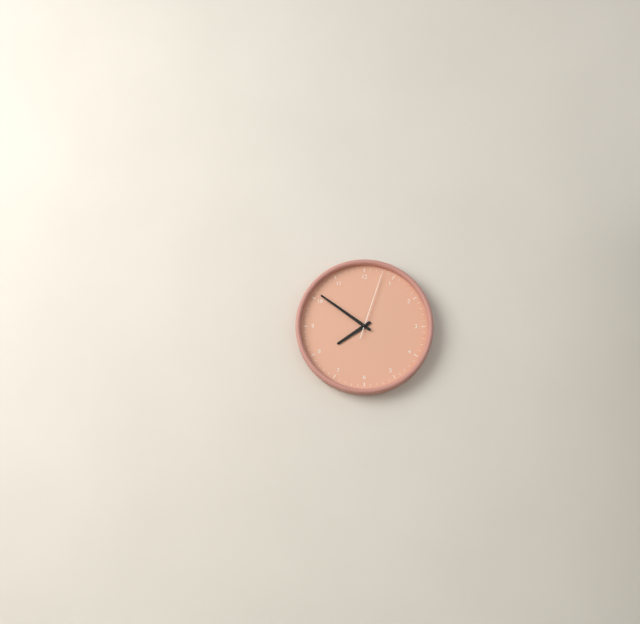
7h51m03s
